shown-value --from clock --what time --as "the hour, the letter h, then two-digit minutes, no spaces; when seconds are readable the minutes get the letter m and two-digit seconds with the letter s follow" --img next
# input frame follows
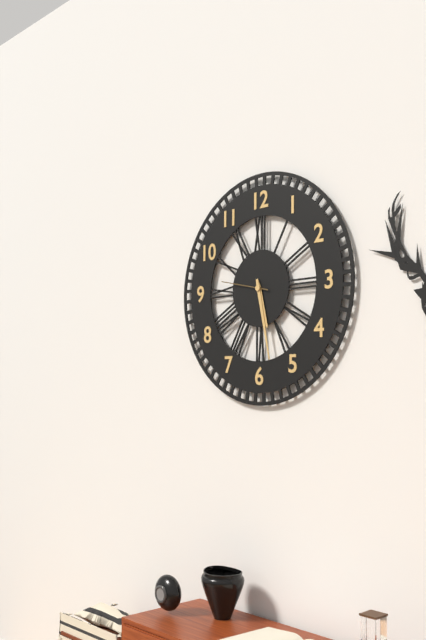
5h28m47s
